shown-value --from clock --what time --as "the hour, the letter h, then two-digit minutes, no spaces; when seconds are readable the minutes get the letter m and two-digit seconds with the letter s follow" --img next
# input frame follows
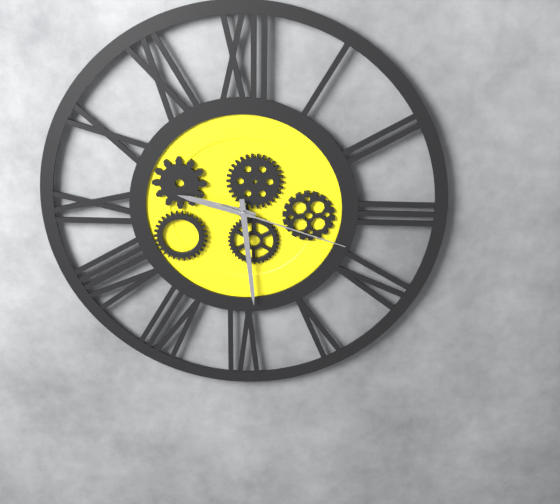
9h29m18s
